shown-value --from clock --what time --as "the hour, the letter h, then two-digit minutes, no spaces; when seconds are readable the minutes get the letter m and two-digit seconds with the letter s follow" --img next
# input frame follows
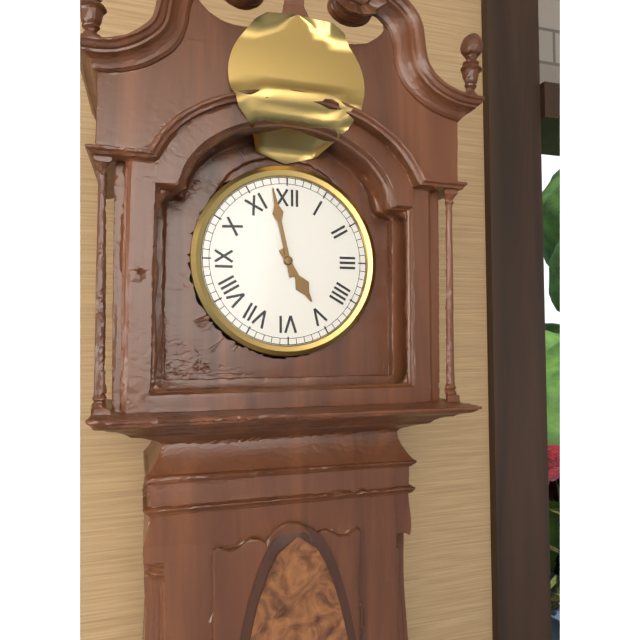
4h58
